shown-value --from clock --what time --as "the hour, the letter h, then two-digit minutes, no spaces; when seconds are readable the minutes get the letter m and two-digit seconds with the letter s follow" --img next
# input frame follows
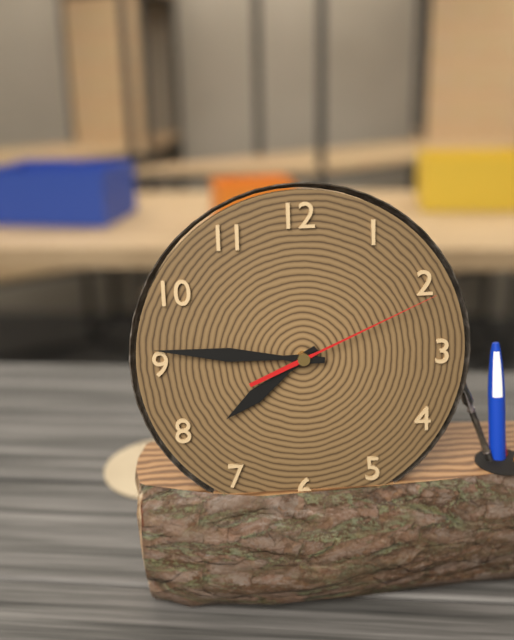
7h46m11s
